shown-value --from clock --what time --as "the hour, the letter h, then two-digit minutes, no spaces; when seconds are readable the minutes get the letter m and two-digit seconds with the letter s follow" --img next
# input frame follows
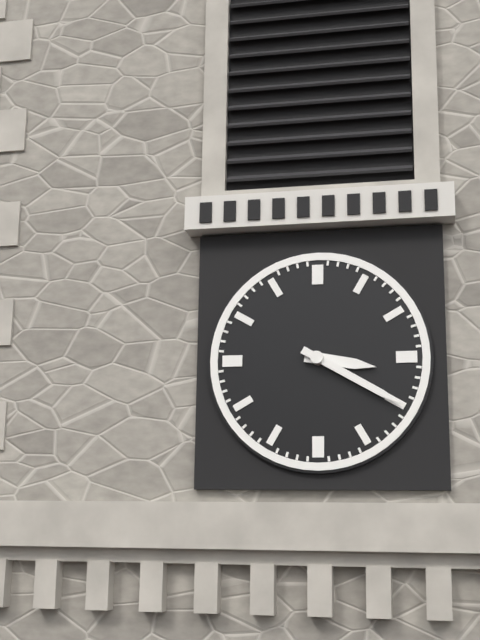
3h20
